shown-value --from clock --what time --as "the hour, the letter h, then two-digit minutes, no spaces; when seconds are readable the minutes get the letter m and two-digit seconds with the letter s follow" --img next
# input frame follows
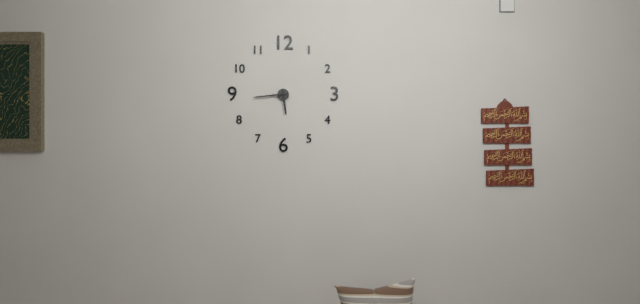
5h44
